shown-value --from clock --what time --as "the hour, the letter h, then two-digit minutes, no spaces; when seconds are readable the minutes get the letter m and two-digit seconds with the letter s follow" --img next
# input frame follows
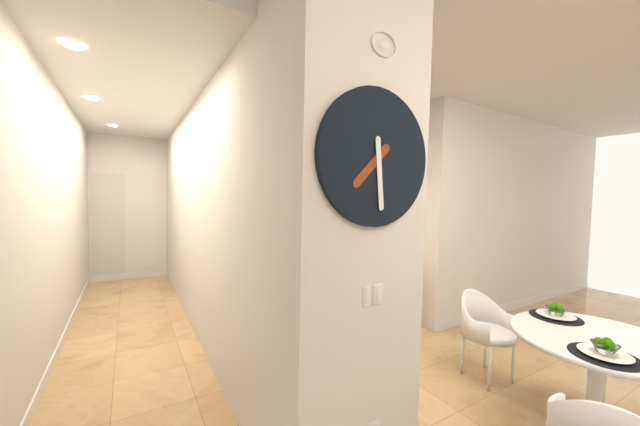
7h29
